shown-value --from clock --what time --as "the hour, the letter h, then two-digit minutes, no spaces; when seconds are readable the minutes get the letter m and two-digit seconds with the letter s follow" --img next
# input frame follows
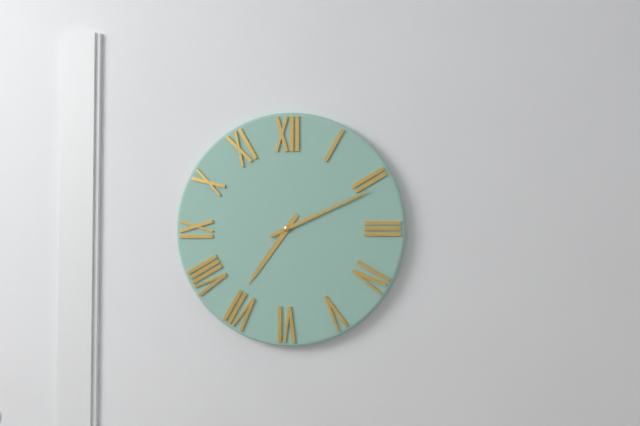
7h11
